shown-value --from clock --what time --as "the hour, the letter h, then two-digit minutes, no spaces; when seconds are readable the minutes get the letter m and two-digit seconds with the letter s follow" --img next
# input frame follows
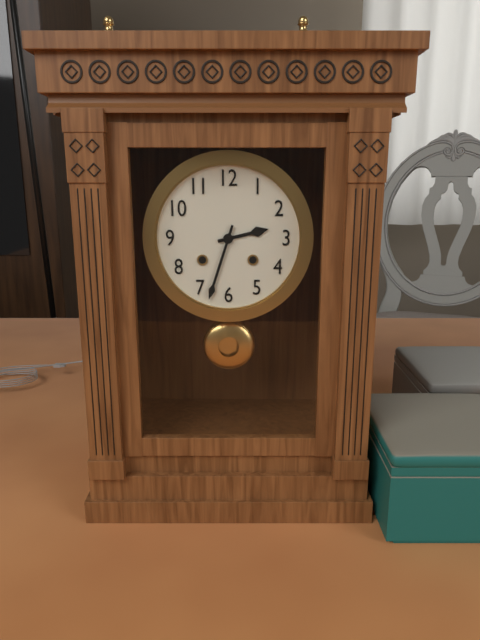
2h33
